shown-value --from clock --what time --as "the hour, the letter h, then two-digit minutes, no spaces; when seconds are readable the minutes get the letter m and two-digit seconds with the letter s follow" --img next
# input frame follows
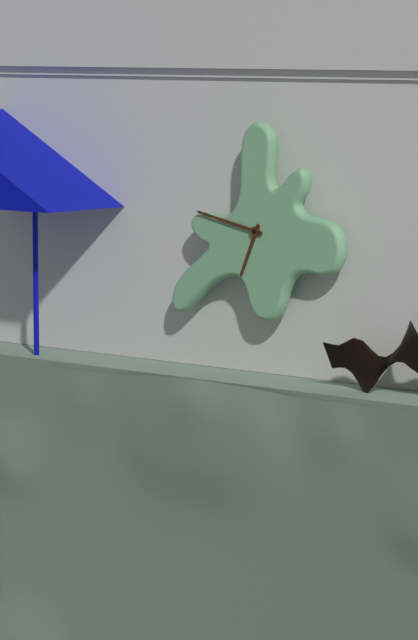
6h47
